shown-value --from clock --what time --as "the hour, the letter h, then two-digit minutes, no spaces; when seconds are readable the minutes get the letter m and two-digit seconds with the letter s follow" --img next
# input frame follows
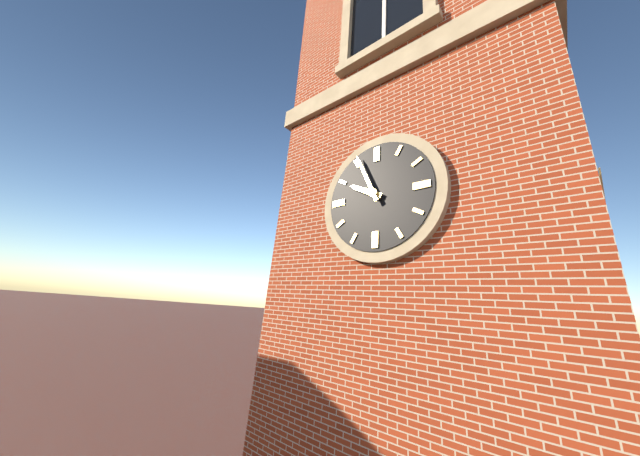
9h56
